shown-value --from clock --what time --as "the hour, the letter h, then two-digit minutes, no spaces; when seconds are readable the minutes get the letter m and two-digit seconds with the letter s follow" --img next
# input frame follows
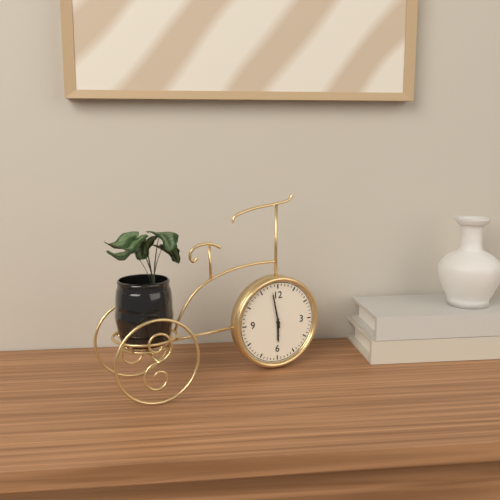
5h58
